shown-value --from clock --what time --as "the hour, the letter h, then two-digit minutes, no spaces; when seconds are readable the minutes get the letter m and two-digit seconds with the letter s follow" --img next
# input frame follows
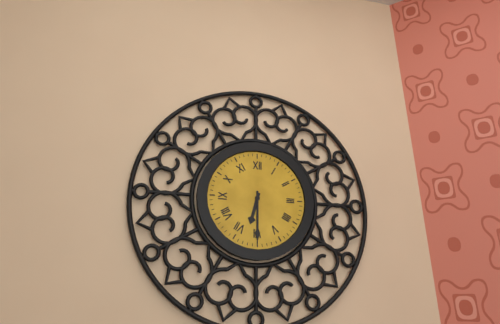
6h30
